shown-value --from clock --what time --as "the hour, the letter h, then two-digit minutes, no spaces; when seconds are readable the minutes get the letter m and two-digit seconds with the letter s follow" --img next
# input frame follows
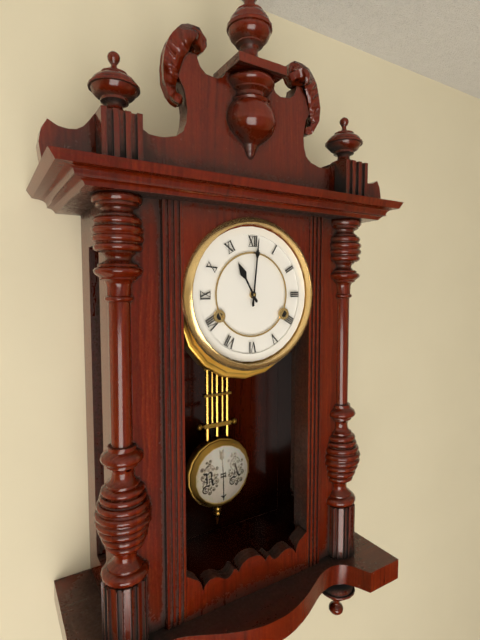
11h01
